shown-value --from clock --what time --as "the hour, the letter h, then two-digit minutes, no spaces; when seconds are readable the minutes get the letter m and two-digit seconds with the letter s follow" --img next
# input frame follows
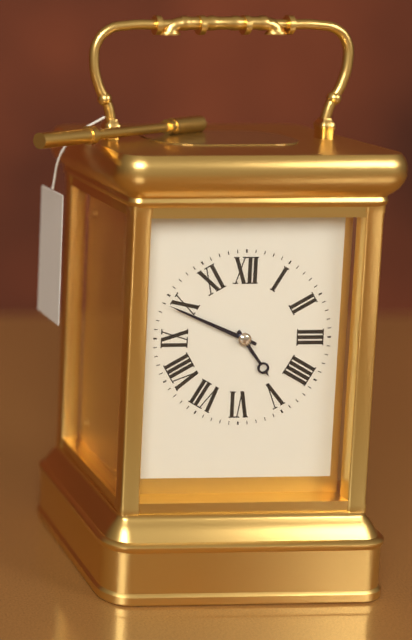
4h49
